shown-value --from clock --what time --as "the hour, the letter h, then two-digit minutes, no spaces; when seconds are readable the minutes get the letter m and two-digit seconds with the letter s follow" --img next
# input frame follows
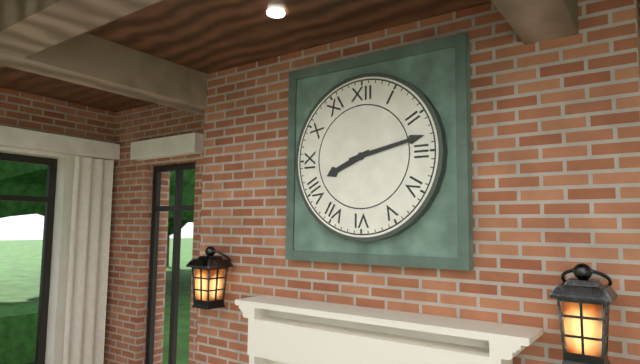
8h13
